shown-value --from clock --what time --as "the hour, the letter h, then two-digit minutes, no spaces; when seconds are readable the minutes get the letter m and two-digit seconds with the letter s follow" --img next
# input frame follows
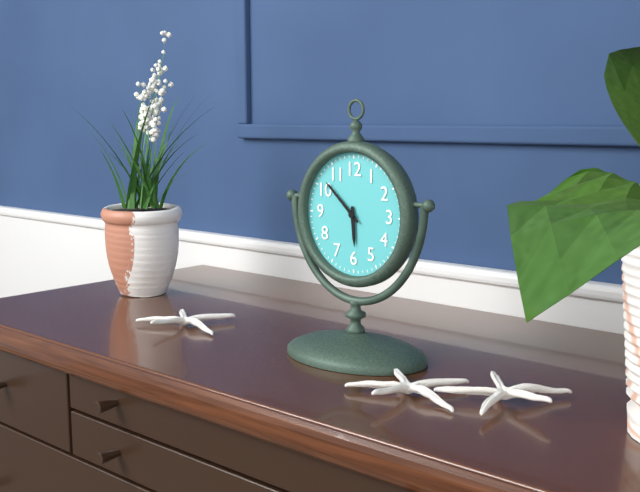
5h52
